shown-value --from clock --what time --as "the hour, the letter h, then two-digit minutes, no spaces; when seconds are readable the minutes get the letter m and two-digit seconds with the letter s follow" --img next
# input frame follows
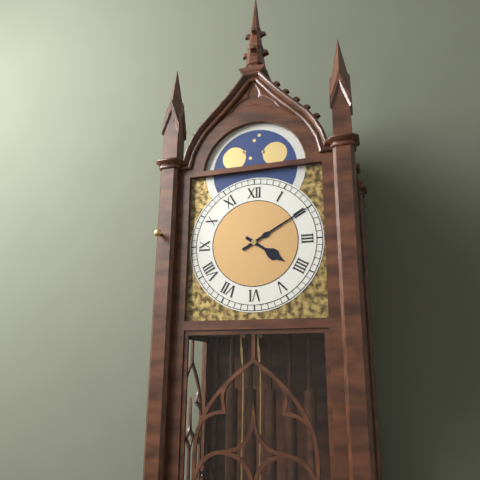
4h10
